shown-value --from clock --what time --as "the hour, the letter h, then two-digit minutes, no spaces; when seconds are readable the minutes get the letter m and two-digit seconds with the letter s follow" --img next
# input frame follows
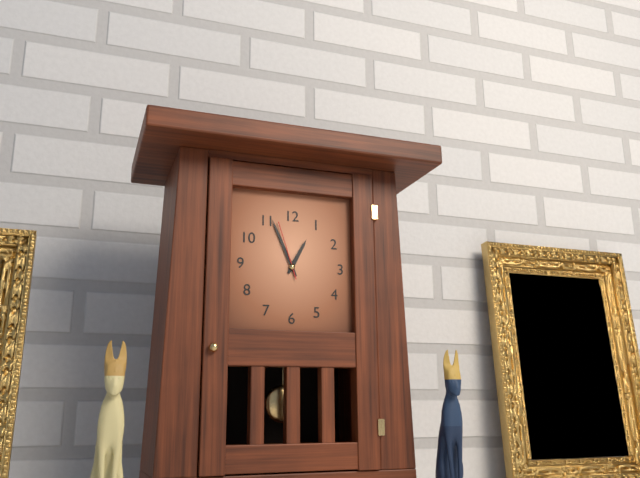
12h56m57s
